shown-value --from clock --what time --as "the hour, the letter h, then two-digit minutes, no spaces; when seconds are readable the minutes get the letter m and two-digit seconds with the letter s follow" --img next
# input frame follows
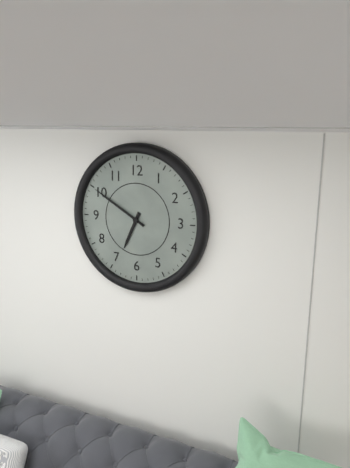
6h50
